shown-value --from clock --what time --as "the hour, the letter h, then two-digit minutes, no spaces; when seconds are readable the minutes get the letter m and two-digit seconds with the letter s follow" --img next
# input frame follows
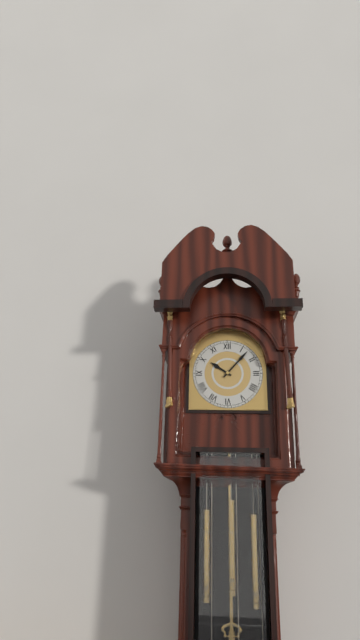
10h07
